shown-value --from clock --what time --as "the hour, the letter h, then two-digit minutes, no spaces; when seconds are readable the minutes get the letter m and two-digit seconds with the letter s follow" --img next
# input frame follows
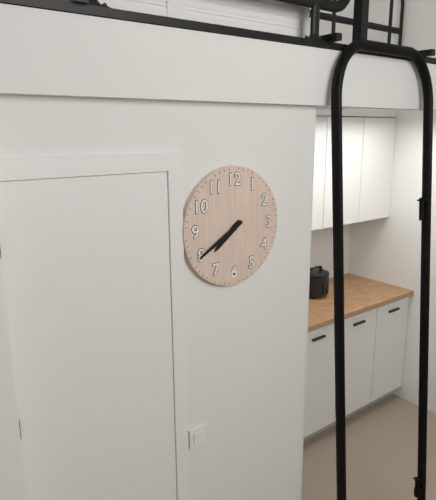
7h40
